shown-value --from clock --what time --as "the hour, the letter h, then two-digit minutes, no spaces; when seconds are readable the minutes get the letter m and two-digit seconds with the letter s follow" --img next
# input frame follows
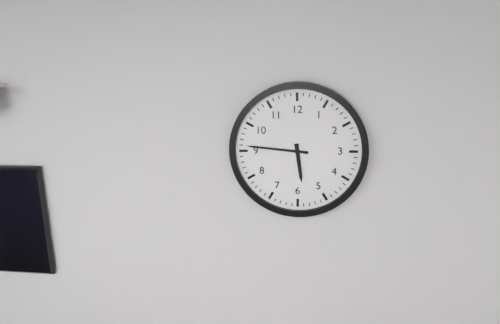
5h46
